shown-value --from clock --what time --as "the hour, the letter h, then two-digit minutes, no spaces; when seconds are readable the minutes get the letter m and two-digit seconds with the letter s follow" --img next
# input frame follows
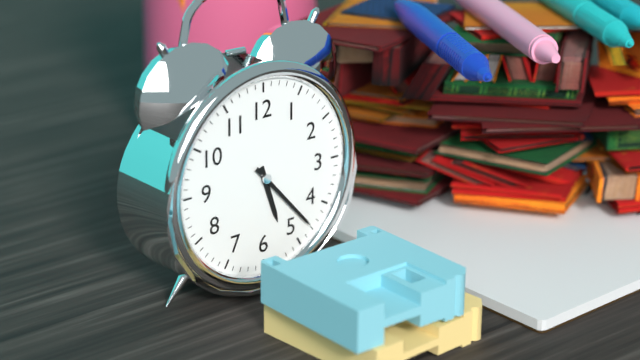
5h23
